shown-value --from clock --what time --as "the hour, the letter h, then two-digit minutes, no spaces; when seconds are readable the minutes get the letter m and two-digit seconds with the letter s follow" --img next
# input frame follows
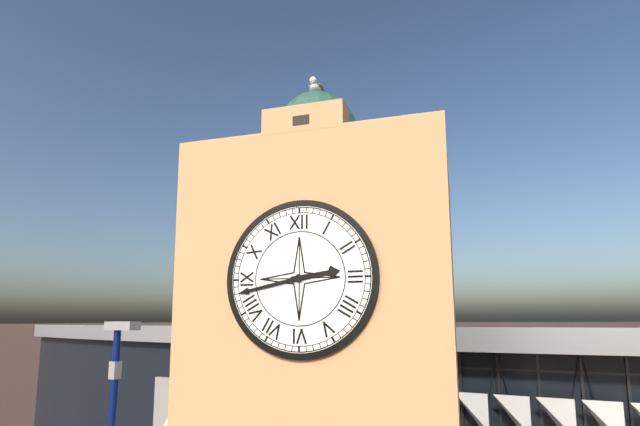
2h43
